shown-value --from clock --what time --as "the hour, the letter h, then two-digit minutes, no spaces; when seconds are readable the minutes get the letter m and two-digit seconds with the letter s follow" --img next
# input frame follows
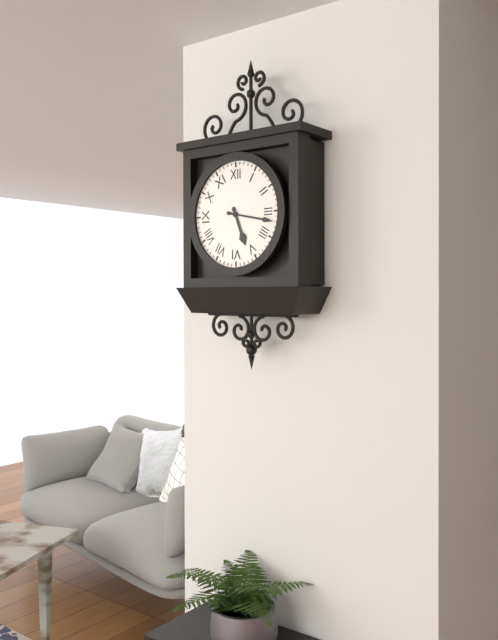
5h17
